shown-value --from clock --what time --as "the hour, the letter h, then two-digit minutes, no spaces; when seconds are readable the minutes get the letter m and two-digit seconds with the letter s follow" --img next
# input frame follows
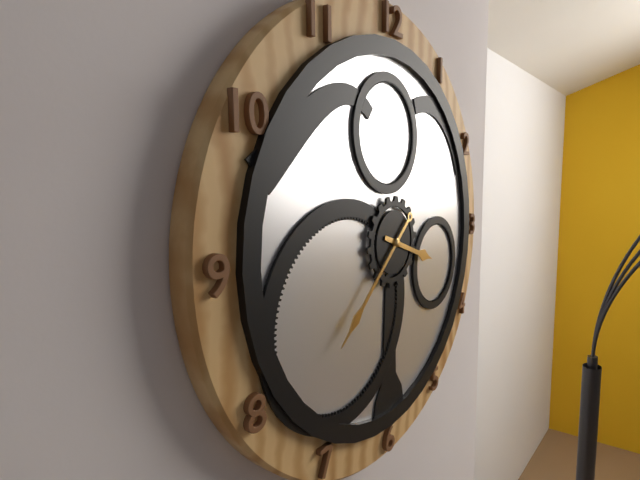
3h38
